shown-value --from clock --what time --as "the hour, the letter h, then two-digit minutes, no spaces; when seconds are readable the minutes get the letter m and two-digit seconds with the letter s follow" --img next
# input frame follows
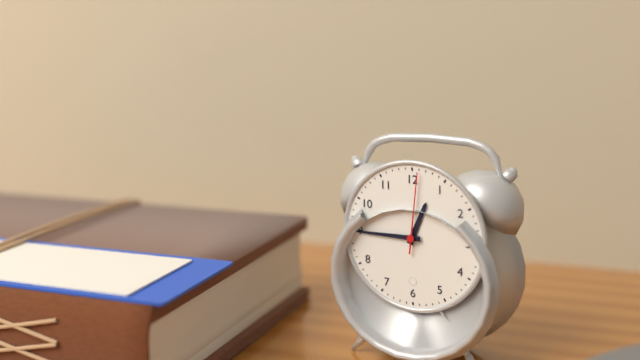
12h45m01s
